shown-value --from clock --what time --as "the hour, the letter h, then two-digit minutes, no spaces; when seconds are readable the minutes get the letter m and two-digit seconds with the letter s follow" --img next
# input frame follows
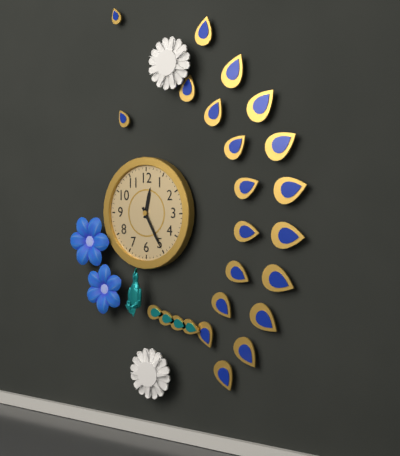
12h25
